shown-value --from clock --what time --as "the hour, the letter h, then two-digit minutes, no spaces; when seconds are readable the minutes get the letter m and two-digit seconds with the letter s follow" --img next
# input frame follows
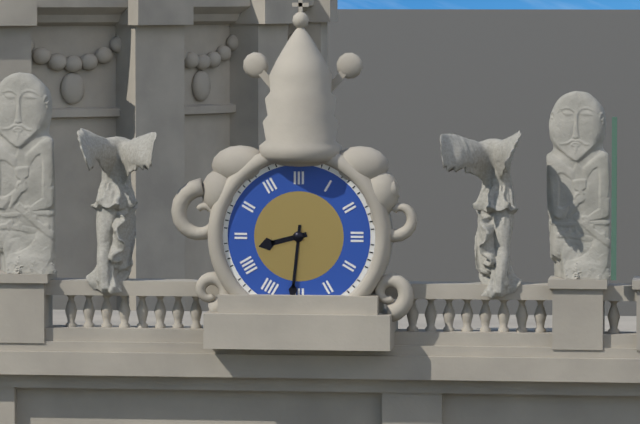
8h31
